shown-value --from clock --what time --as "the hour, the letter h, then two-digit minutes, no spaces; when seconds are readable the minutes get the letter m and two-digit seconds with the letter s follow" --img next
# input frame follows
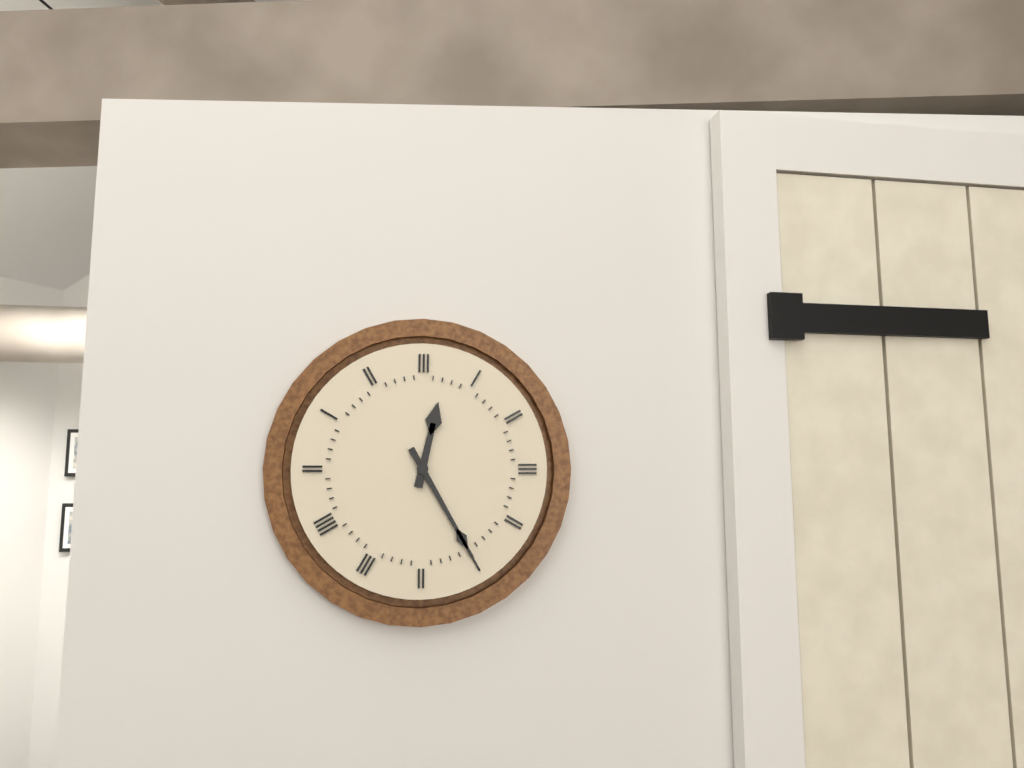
12h25
